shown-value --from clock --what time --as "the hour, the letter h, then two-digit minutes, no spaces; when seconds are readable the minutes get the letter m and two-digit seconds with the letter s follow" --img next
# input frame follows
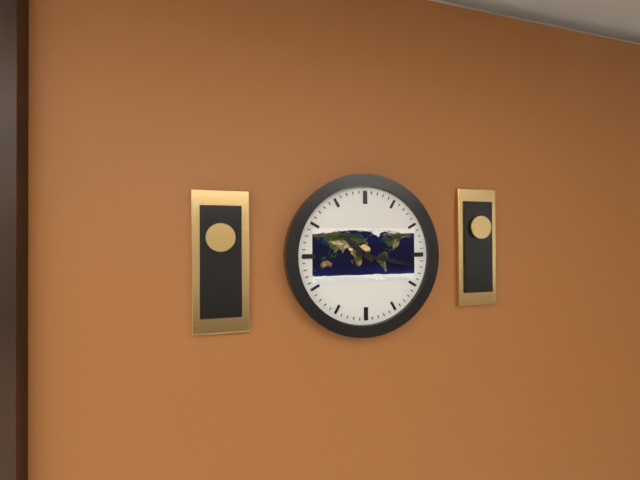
10h17
